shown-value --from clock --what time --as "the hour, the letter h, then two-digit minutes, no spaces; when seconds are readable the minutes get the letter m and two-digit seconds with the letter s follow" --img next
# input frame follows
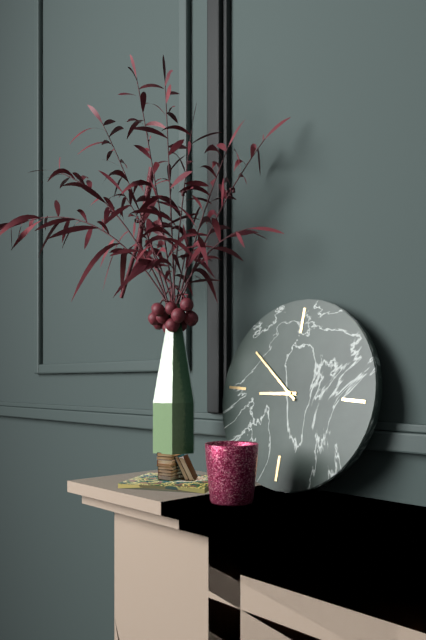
8h51
